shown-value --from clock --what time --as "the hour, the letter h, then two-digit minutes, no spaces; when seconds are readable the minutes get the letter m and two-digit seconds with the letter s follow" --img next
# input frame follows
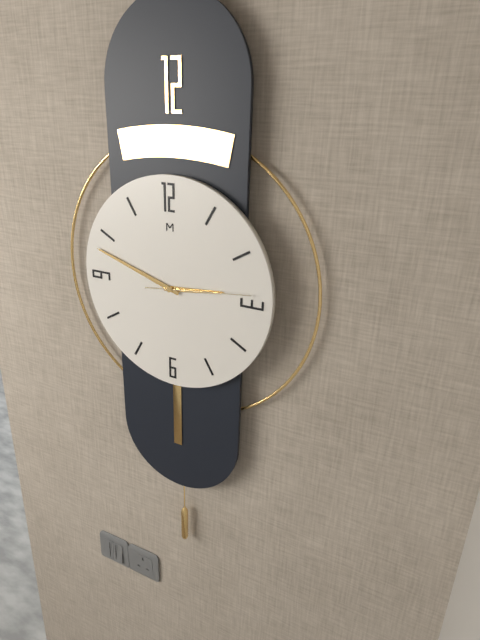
2h48m14s
